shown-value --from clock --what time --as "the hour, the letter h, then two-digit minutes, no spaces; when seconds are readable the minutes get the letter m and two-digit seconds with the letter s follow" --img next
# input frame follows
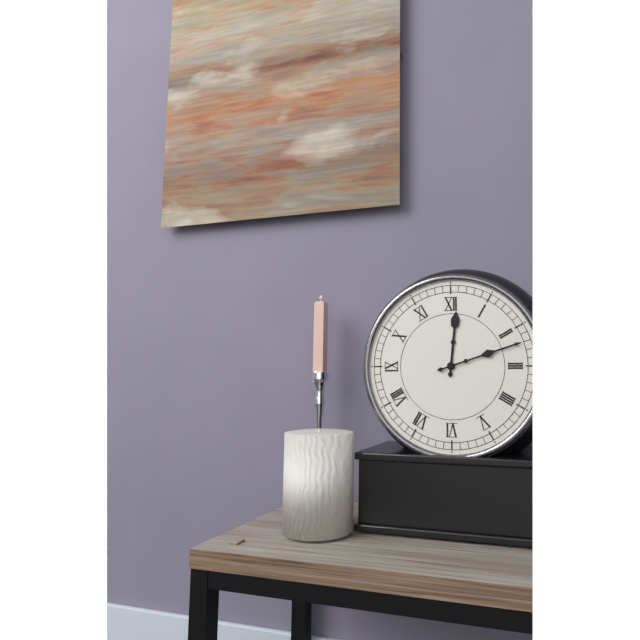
12h12
